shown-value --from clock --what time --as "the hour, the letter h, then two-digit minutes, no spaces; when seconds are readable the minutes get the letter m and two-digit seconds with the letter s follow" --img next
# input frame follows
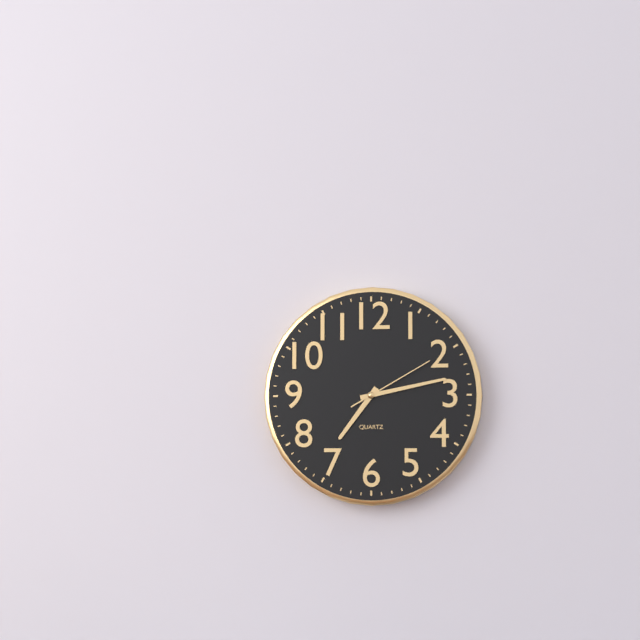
7h13m10s
